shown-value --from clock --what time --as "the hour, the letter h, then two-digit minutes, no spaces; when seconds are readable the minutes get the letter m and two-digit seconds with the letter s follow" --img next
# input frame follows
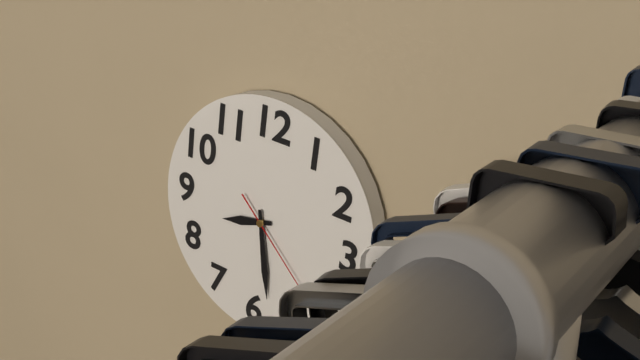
8h28m22s
